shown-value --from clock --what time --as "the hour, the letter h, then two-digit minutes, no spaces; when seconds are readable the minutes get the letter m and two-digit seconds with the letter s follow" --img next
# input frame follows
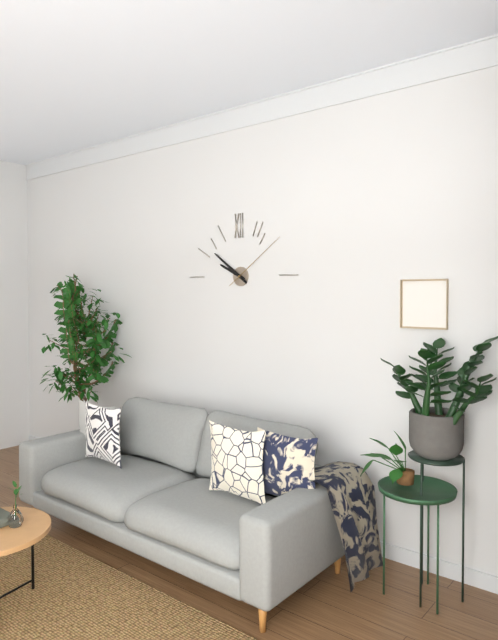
9h51m09s
